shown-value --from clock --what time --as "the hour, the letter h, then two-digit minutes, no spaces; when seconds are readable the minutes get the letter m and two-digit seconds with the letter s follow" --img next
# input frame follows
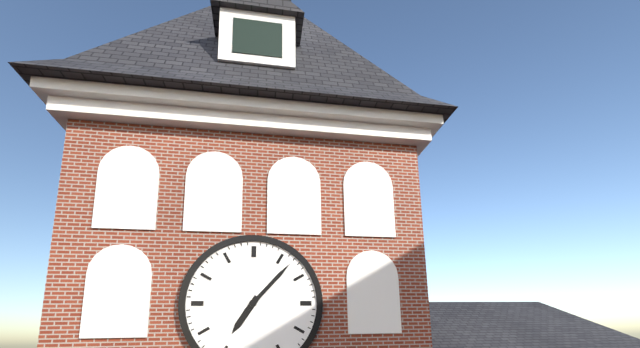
7h07
